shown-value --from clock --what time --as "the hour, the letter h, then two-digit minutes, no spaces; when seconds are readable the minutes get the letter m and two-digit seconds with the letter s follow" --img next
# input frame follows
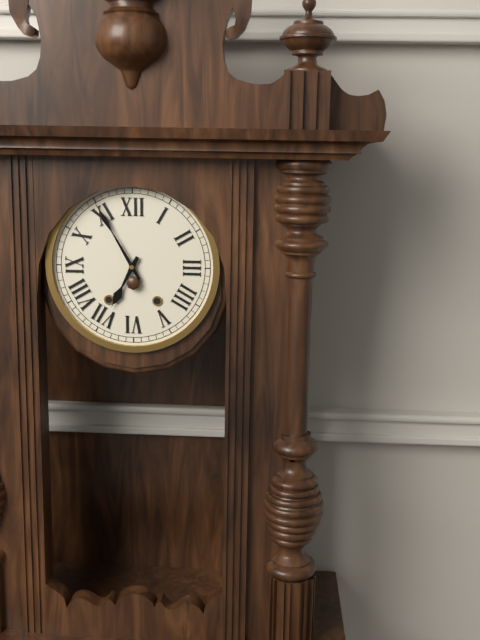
6h55
